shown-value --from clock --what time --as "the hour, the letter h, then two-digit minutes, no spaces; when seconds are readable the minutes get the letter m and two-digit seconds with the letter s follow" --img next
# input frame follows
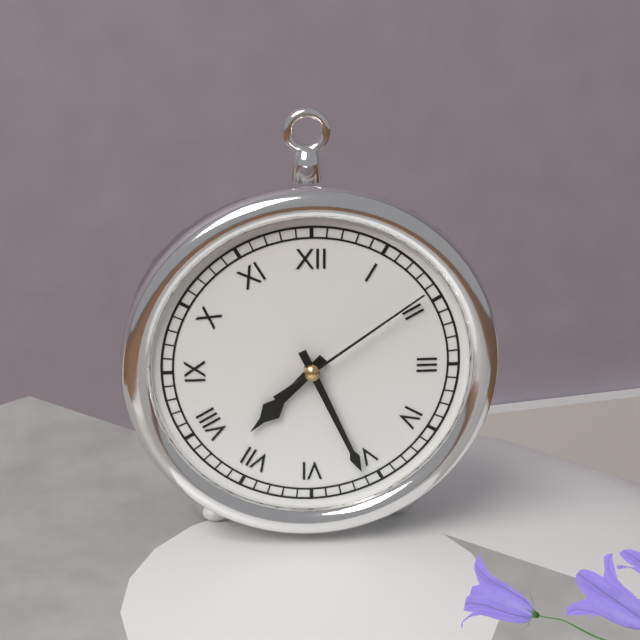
7h26m09s
